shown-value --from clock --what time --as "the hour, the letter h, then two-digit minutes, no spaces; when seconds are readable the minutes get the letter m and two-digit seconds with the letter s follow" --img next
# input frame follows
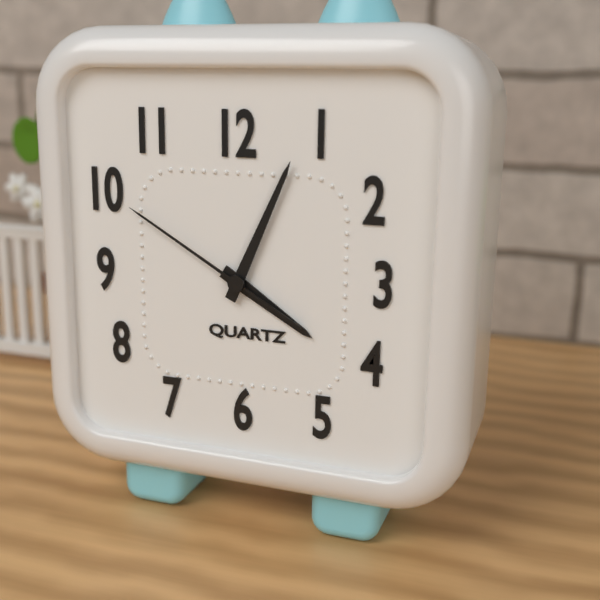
4h04m50s
